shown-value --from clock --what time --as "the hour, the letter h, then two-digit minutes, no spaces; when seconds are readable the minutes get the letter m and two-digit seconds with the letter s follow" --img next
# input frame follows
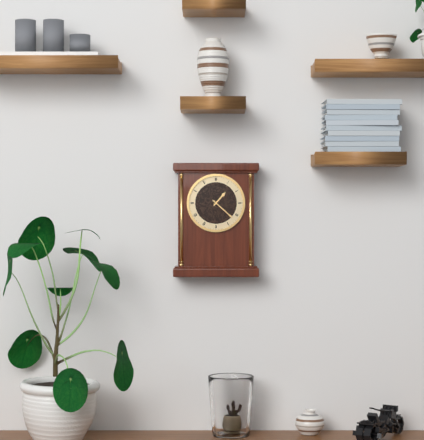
1h22
